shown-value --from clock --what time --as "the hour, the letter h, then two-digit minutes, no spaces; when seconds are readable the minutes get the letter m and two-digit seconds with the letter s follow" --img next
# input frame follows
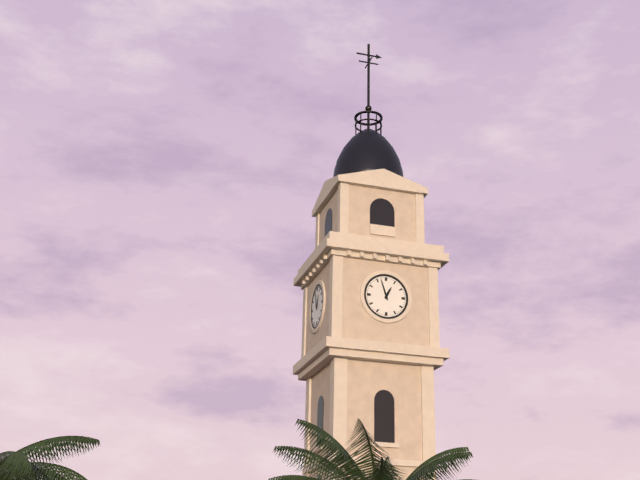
12h57
